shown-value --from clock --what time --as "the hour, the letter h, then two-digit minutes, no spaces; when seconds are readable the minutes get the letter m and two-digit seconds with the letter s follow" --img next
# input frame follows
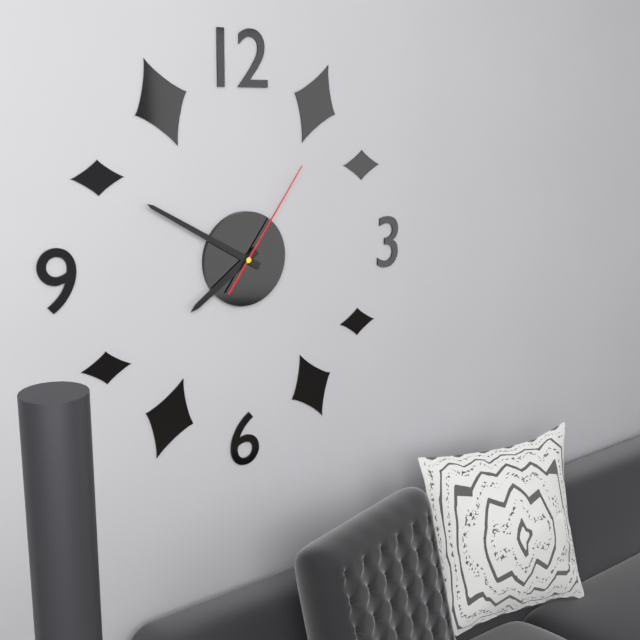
7h50m06s
